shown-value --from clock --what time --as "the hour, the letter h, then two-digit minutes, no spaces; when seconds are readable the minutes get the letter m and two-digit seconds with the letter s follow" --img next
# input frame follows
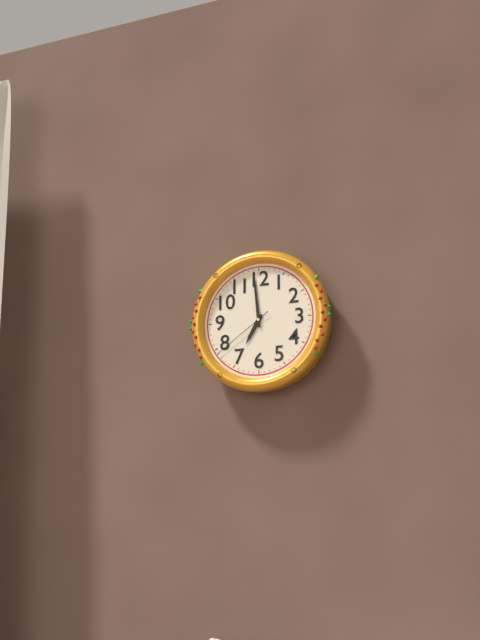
6h59m39s
